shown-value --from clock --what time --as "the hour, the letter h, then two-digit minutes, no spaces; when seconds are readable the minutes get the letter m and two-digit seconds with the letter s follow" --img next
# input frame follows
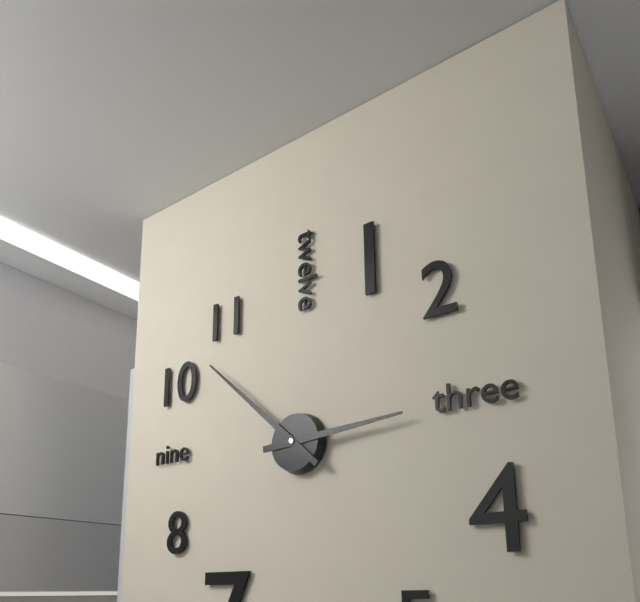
2h52
